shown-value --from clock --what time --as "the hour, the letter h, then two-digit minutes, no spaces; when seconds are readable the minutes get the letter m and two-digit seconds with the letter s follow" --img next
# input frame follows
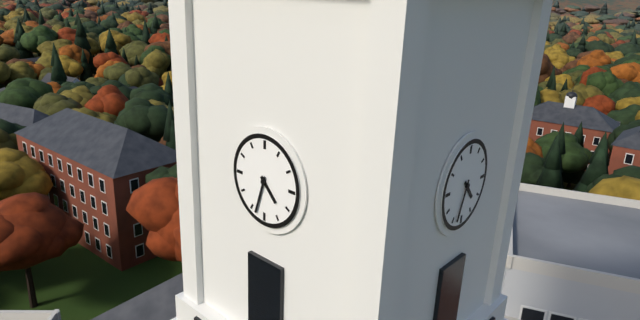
4h33
